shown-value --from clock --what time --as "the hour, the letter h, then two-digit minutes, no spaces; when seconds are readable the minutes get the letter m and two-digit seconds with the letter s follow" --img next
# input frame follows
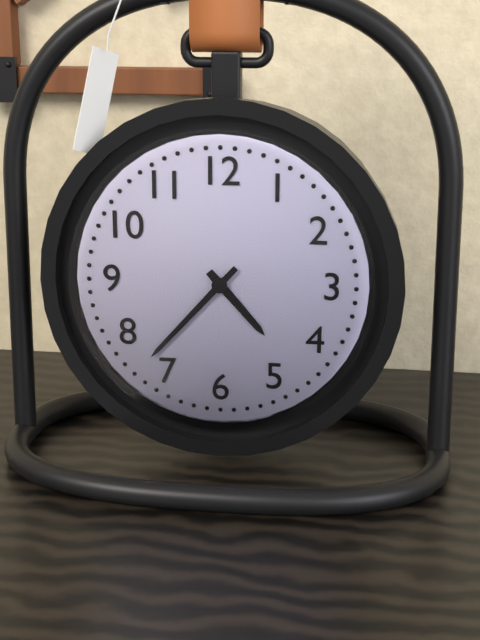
4h37
